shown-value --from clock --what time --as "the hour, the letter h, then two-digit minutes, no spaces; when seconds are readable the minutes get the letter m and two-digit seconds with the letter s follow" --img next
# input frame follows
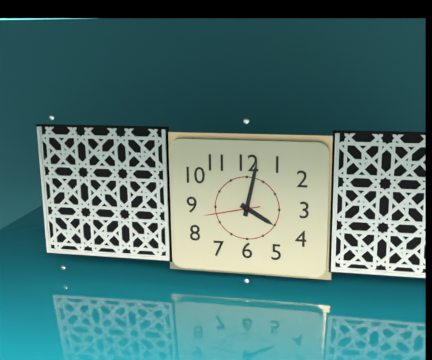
4h02m43s
